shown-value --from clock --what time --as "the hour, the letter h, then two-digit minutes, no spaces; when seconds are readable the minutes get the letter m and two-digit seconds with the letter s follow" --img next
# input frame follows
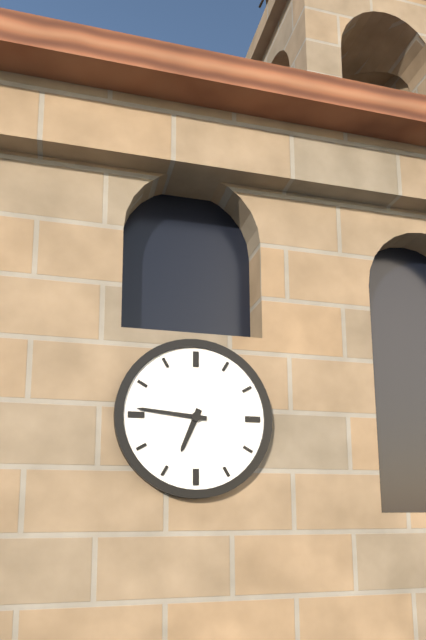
6h46
